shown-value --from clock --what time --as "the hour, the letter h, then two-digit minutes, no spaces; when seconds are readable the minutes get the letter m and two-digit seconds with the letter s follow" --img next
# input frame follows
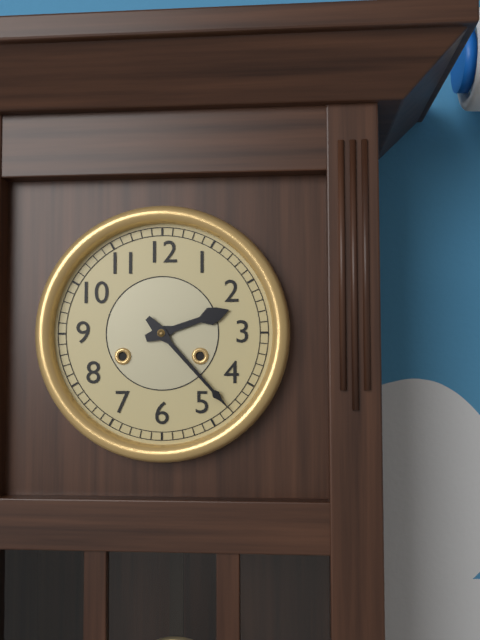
2h23
